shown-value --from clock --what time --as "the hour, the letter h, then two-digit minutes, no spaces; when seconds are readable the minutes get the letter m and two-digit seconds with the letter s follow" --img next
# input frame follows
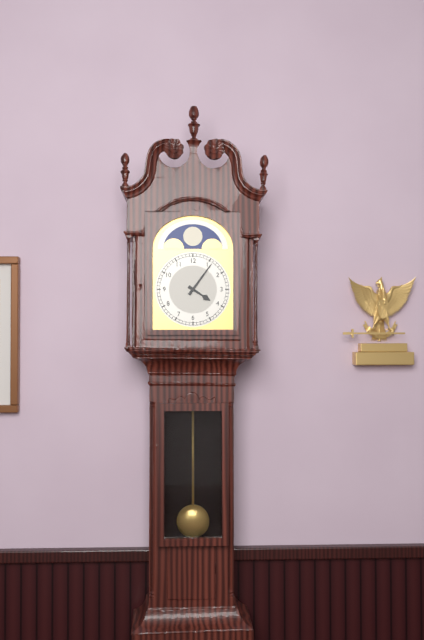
4h06
